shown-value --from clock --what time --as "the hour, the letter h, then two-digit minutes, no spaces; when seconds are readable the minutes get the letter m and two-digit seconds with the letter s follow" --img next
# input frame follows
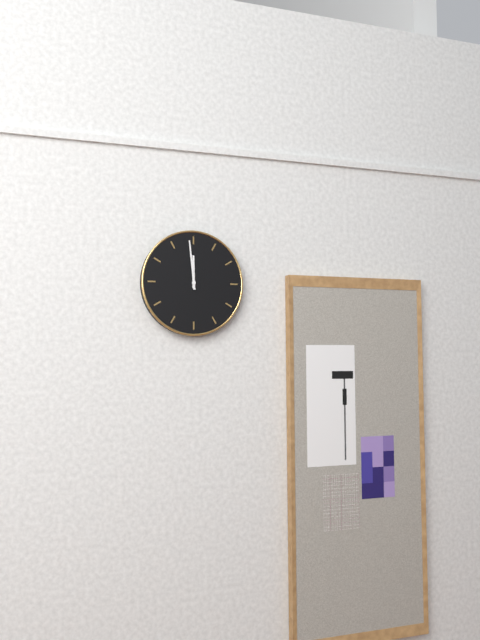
11h59
